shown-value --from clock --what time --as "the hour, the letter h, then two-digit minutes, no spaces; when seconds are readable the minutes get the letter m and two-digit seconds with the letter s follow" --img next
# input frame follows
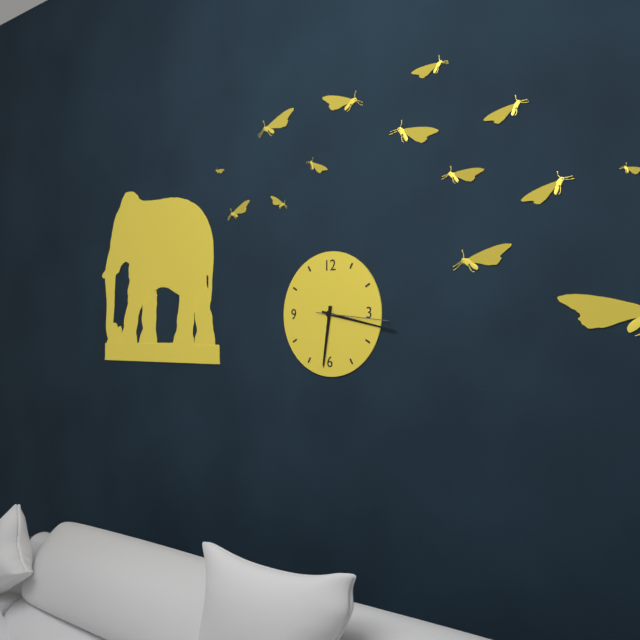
6h17m16s
